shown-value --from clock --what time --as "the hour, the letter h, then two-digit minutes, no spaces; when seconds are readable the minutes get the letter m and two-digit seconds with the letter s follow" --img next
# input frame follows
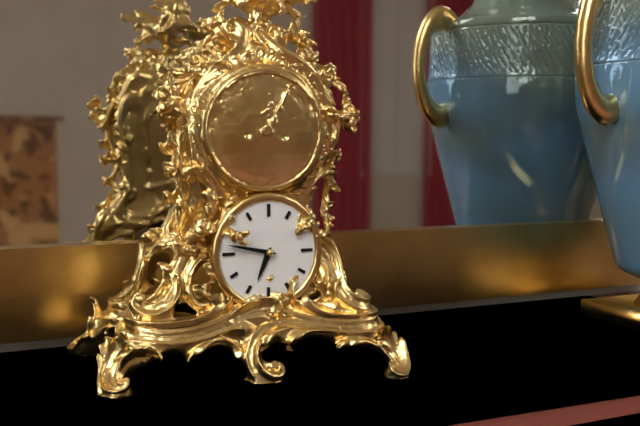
6h47
